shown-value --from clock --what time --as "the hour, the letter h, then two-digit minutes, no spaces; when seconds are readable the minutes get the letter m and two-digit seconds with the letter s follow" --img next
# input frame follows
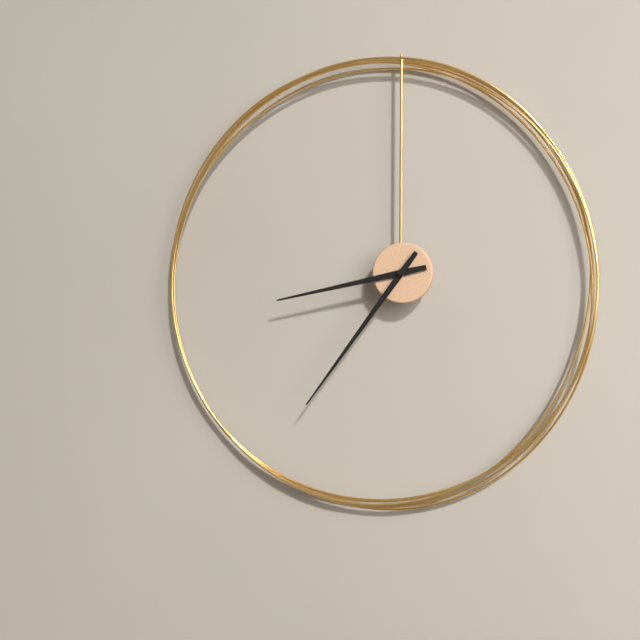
8h36
